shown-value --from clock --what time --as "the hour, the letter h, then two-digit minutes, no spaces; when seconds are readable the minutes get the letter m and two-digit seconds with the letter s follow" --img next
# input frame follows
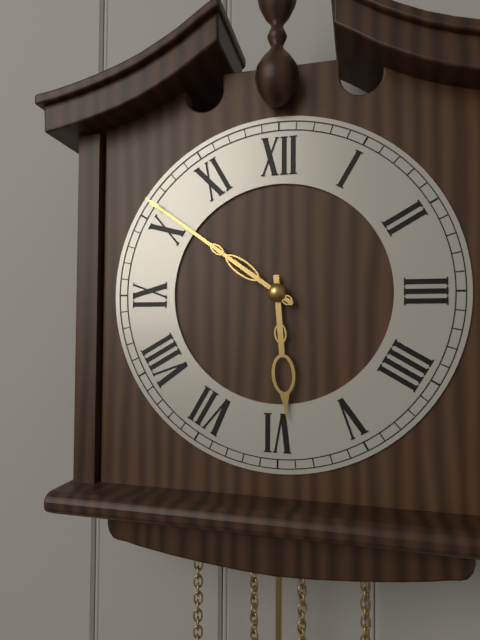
5h51
